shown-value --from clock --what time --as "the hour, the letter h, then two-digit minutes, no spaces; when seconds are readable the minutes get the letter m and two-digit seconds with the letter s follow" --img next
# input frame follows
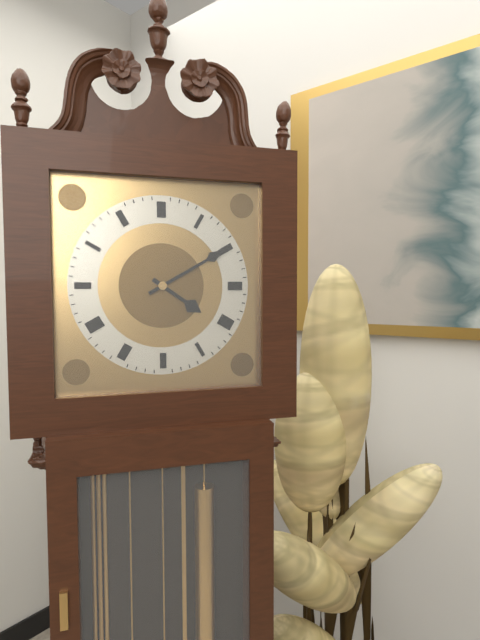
4h10
